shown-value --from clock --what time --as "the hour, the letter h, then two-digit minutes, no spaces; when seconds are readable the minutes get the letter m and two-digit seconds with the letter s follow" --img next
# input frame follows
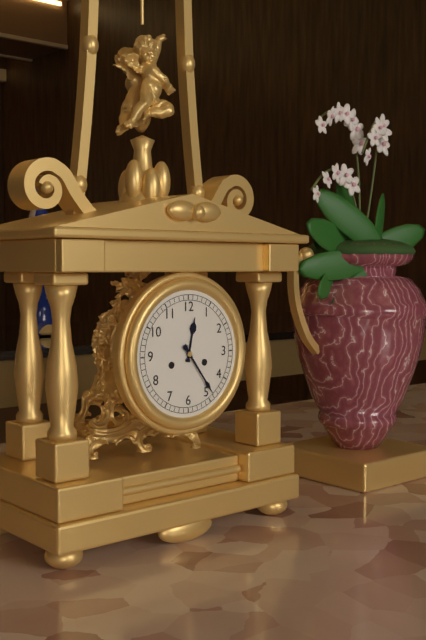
12h24
